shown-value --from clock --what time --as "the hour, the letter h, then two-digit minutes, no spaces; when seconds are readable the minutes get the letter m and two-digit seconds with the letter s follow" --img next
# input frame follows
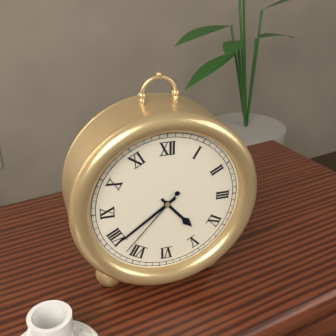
4h39m37s
